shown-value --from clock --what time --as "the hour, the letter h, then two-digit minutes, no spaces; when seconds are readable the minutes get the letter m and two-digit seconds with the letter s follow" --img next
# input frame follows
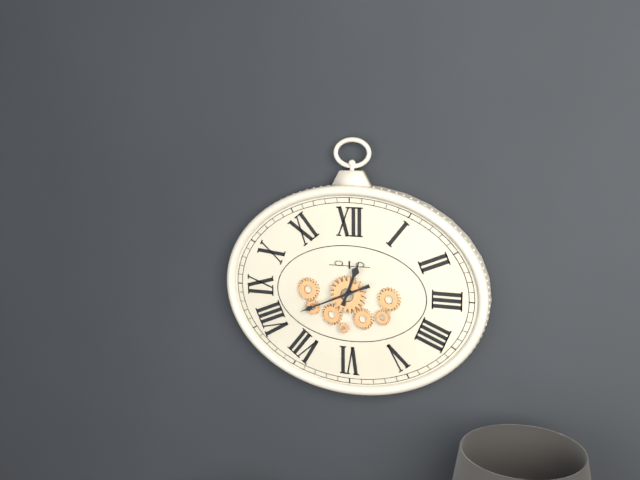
12h41
